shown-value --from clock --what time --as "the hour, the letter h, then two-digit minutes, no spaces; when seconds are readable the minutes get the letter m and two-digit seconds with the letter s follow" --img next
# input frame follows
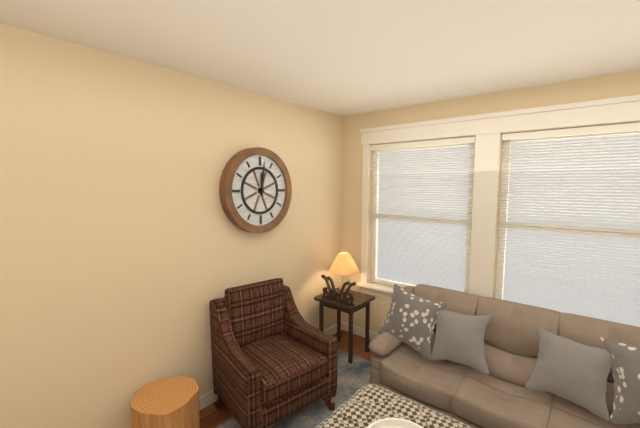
12h01
